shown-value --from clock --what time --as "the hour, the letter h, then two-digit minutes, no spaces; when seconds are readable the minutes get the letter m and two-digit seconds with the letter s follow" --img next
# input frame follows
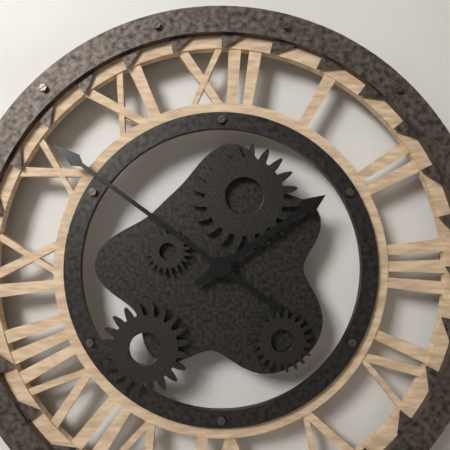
1h51
